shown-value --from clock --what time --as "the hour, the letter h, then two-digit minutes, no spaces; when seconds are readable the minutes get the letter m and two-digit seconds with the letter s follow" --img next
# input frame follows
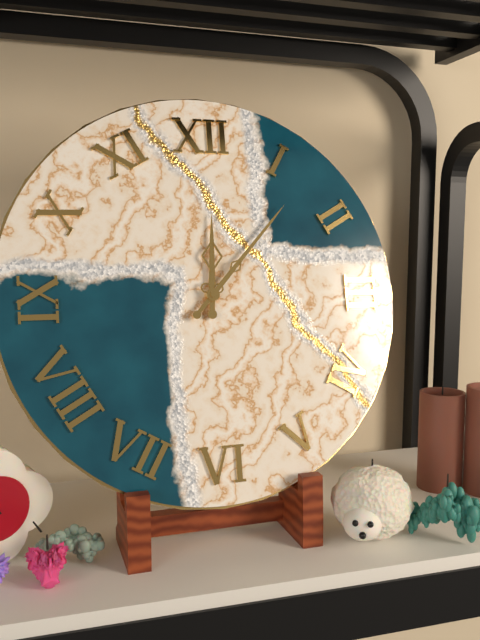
12h07
